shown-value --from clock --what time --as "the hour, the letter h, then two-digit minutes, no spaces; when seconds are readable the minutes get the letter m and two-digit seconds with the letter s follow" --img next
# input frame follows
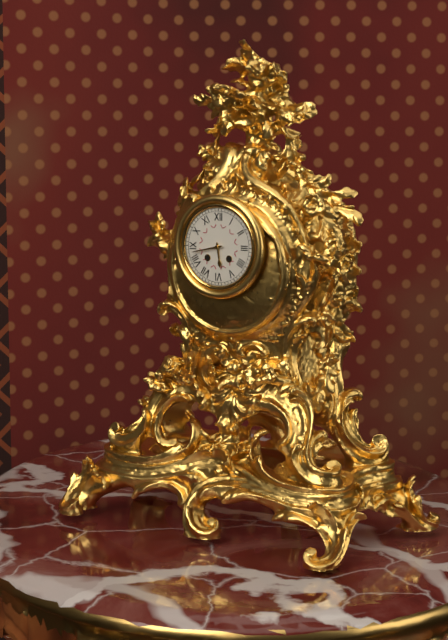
5h43
